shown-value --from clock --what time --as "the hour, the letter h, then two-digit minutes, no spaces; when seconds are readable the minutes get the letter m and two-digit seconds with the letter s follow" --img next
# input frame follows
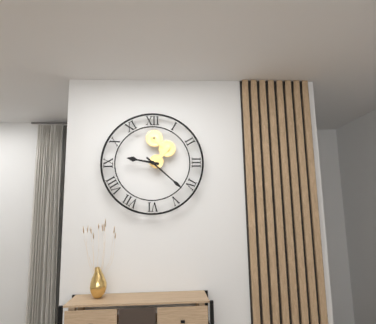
9h22
